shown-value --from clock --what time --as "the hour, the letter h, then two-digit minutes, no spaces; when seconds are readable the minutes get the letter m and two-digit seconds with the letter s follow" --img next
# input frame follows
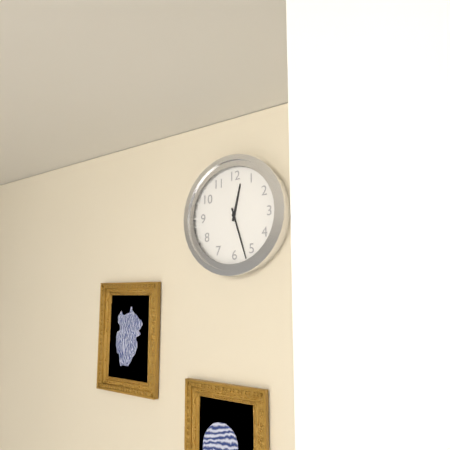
12h27
